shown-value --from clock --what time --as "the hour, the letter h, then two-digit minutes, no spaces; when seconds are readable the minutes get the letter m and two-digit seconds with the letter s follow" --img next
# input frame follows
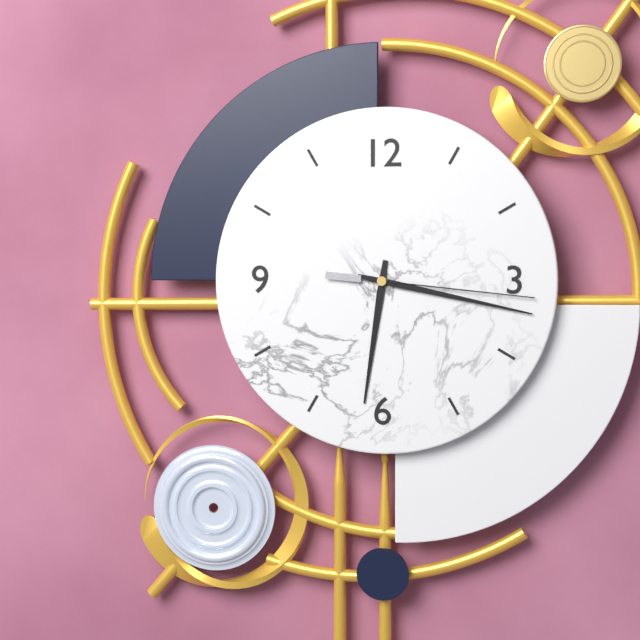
6h17m16s
